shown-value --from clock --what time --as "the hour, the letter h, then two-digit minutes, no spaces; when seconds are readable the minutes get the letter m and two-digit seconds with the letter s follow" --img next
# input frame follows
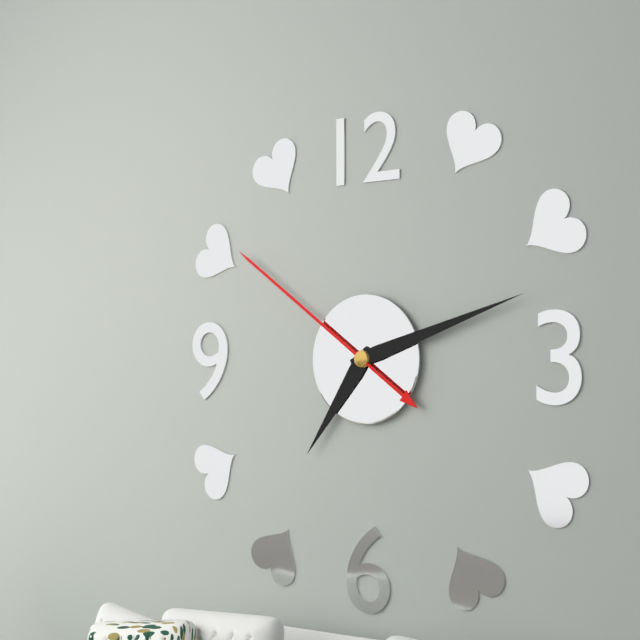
7h12m51s
